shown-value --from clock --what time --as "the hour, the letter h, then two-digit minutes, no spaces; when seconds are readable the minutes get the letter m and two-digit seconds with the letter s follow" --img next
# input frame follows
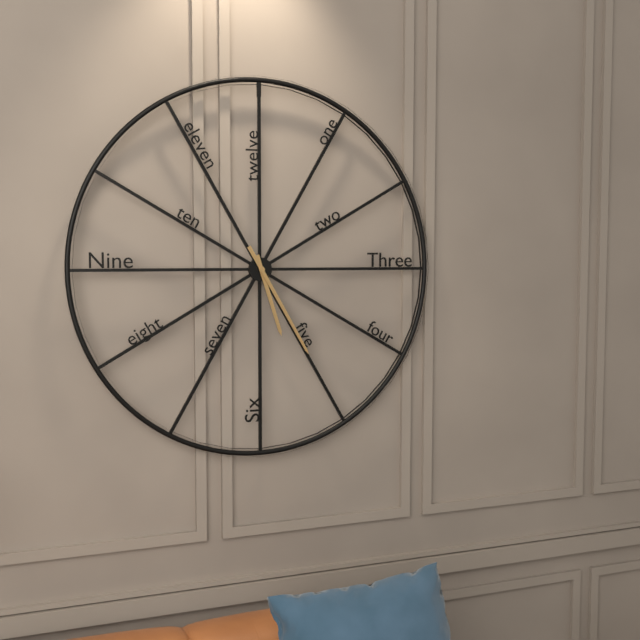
5h25
